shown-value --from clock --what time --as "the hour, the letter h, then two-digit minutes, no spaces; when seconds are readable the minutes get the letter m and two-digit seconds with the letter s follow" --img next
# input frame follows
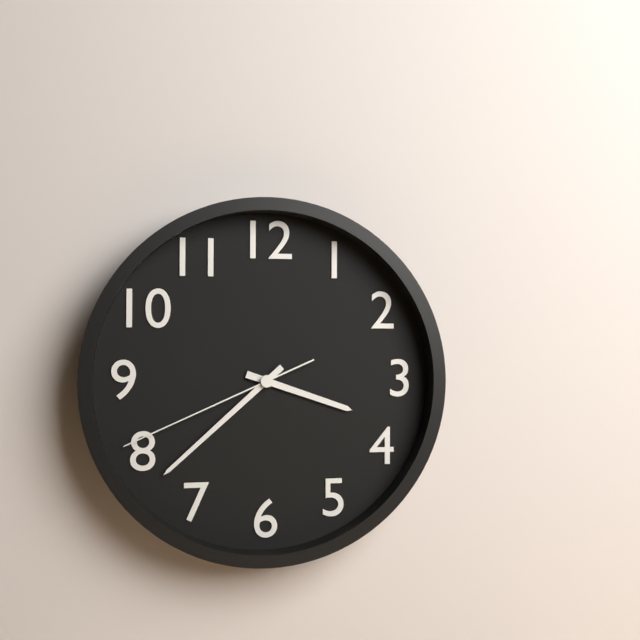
3h38m41s
